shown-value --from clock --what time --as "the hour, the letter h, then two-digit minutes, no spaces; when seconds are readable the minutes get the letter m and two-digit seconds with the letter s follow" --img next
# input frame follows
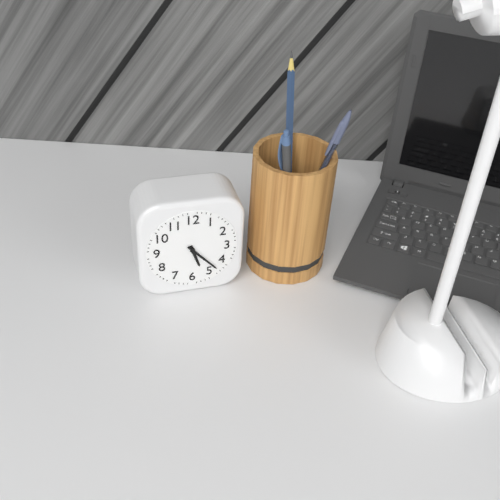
5h23
